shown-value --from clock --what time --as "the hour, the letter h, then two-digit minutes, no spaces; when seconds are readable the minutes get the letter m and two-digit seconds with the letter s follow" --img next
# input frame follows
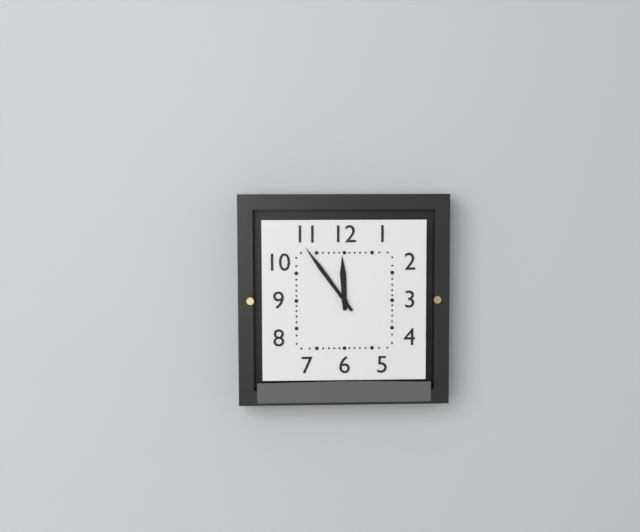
11h54
